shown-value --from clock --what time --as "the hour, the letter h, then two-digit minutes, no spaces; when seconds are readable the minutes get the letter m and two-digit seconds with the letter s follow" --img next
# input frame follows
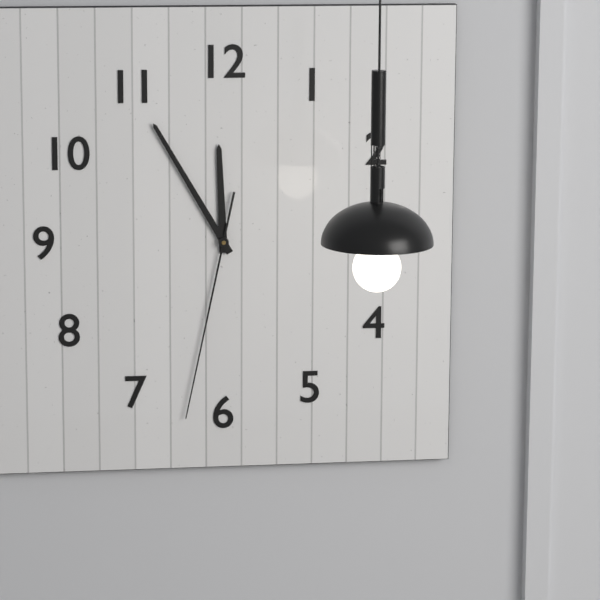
11h55m32s
